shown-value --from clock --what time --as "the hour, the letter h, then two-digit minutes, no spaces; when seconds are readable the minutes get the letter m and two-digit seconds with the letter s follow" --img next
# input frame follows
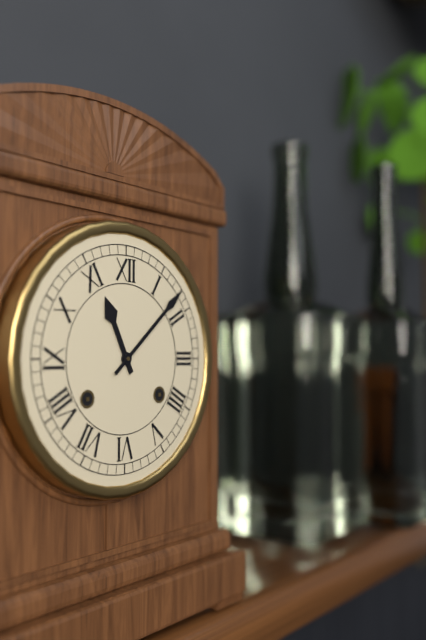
11h08
